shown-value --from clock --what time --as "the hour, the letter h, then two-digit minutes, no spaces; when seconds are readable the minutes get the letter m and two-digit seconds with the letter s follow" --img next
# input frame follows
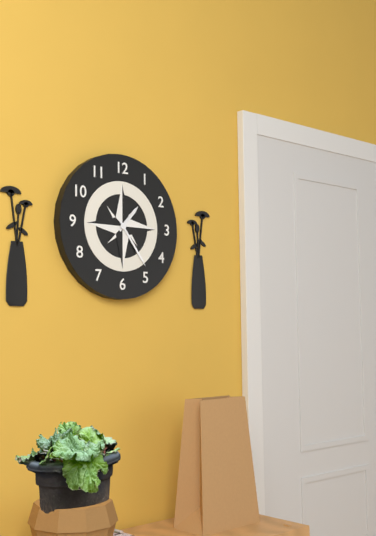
1h24
